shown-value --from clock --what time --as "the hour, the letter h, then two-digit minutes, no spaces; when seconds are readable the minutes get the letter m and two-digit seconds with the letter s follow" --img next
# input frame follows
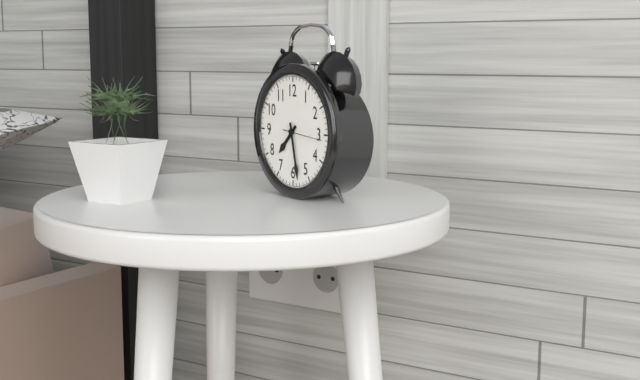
7h28
